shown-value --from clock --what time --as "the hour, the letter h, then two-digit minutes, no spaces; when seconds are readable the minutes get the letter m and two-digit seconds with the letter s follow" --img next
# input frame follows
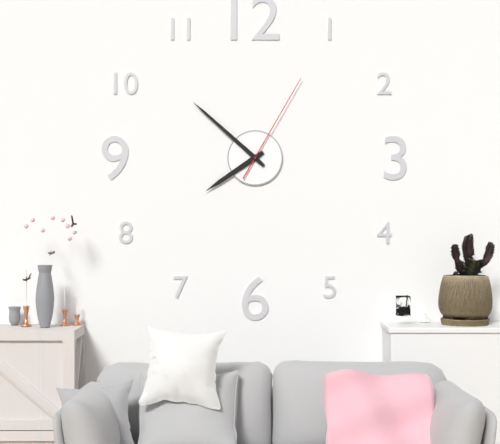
7h52m05s
